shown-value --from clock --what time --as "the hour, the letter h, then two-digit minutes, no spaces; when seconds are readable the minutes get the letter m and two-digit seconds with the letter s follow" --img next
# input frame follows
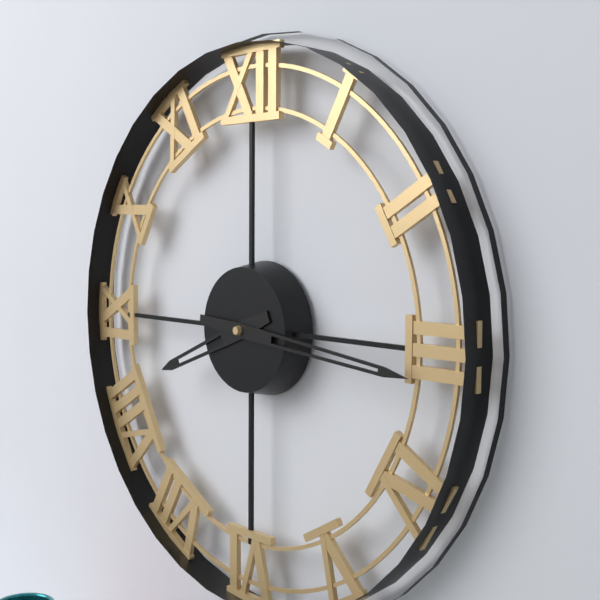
8h16
